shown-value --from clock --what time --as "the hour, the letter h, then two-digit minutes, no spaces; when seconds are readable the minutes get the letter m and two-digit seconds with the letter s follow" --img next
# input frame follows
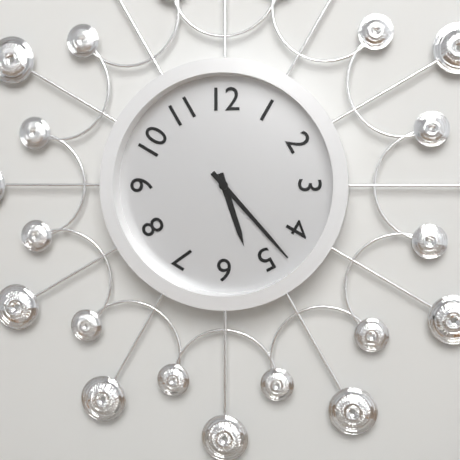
5h23
